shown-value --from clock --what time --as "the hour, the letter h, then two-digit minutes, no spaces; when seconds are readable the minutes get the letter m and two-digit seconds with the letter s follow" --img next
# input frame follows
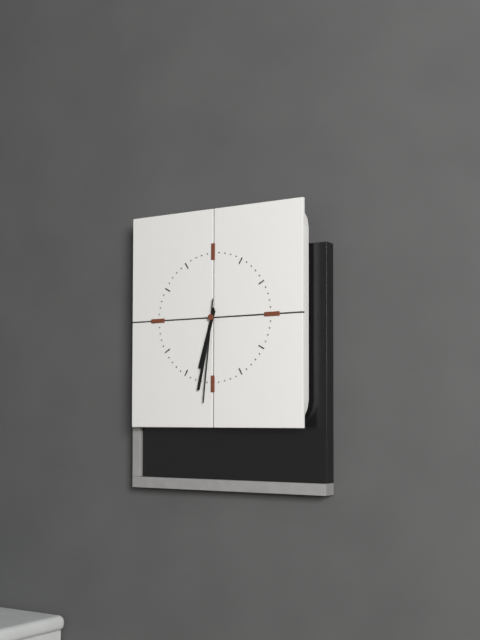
6h32m31s
